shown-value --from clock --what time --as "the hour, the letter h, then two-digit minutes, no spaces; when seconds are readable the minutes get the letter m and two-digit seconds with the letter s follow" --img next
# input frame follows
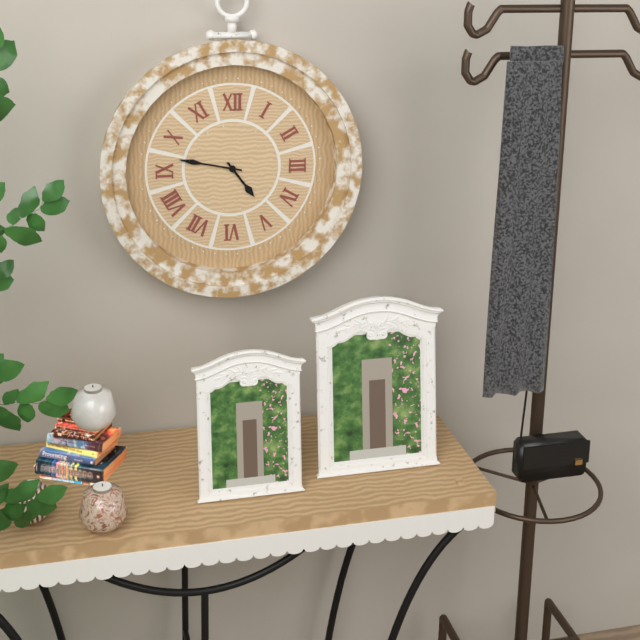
4h47
